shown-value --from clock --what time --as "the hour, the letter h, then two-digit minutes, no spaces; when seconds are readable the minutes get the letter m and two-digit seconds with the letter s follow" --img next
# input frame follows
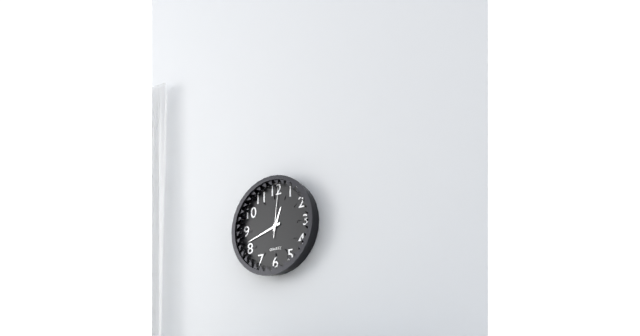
12h42m01s
